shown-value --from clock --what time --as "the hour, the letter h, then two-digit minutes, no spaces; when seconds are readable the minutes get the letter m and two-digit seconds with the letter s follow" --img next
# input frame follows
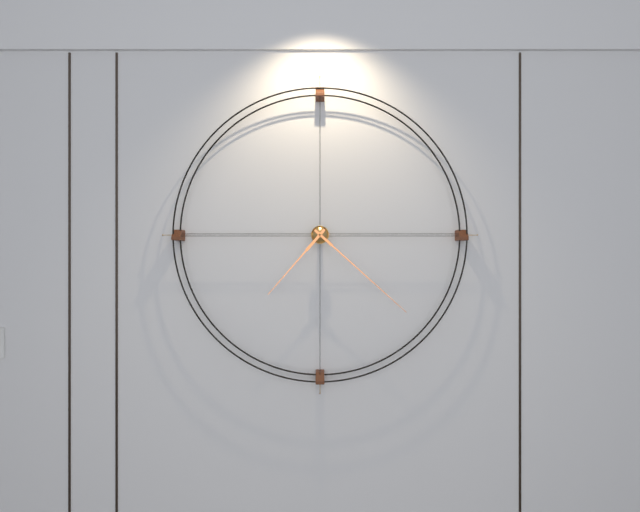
7h22
